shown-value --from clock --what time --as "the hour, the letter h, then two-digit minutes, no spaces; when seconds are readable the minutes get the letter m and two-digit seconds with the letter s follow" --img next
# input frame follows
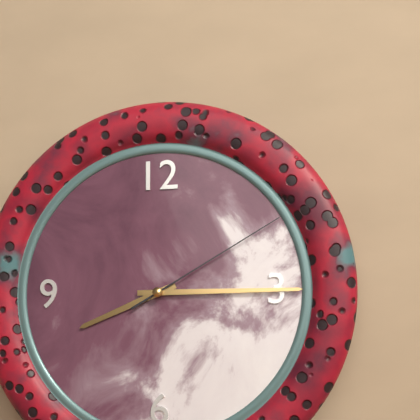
8h15m10s
